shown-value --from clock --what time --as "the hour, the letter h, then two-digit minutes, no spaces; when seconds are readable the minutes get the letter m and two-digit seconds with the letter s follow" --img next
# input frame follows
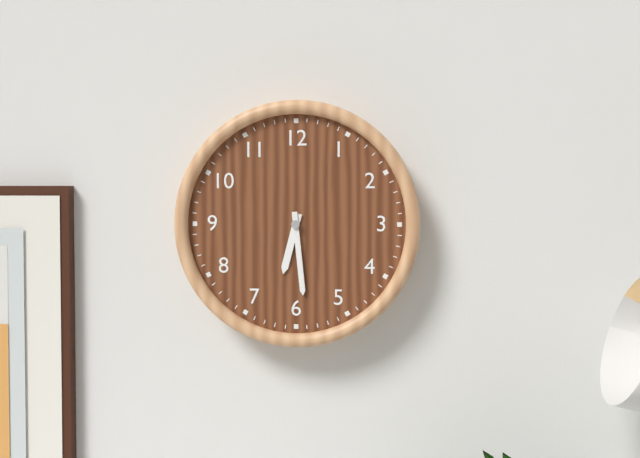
6h29
